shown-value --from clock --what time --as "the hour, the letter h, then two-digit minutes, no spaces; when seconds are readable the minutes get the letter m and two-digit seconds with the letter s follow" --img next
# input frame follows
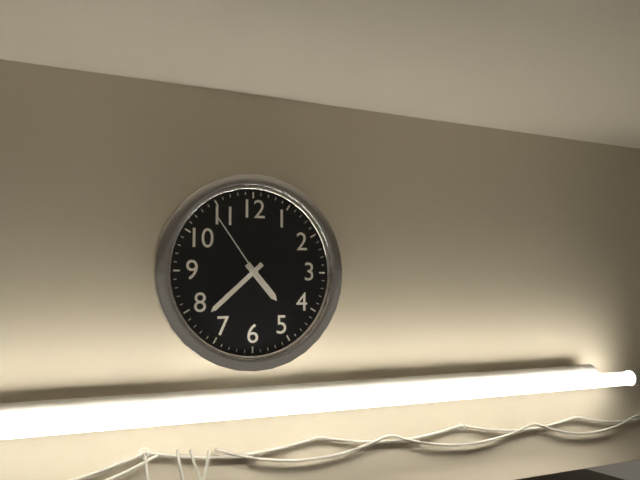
4h38m54s
